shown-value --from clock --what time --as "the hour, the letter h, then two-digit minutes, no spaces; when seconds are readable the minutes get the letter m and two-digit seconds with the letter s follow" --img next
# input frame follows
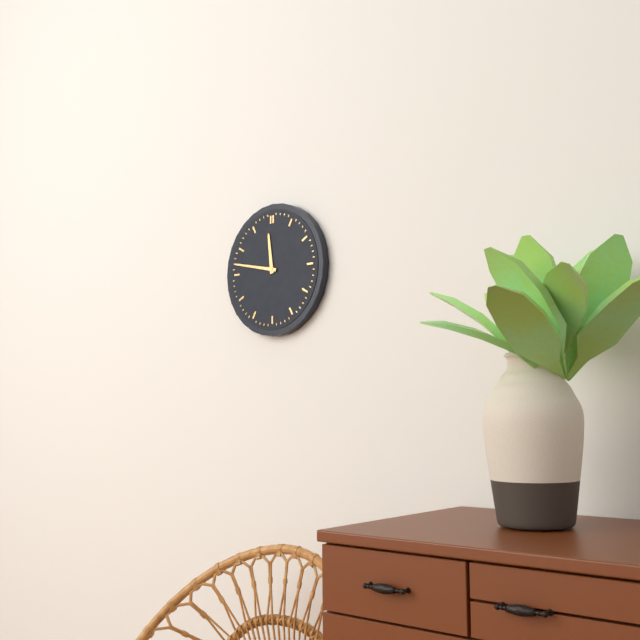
11h47
